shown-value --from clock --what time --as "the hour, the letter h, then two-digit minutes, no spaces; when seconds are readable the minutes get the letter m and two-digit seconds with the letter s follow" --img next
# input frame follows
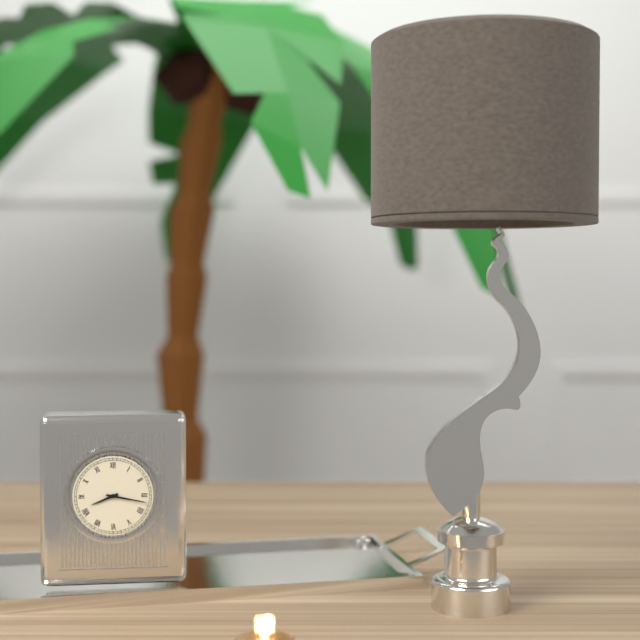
8h17
